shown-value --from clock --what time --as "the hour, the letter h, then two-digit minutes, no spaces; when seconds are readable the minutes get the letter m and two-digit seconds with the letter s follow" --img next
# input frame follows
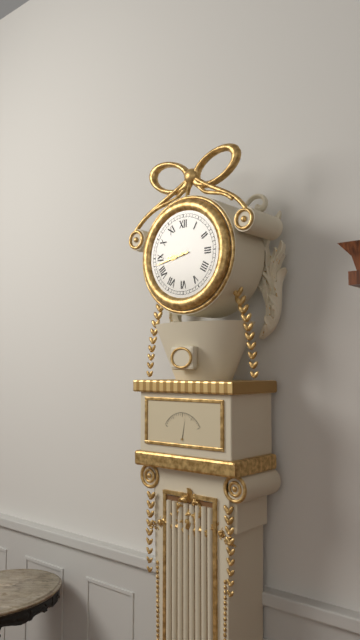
8h43
